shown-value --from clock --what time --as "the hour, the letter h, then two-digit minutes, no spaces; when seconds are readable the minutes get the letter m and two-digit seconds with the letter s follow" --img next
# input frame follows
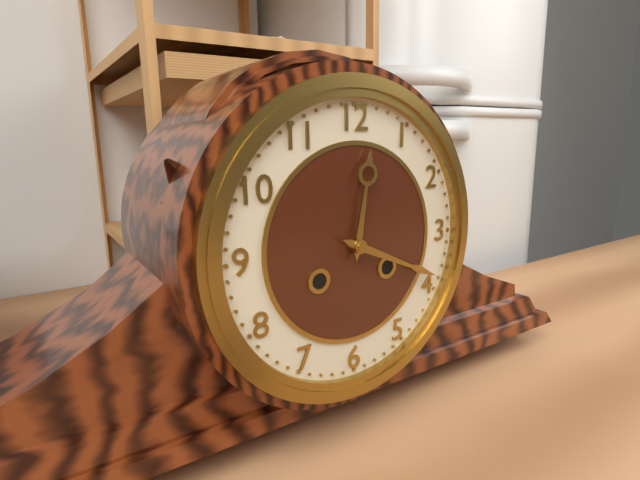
12h19
